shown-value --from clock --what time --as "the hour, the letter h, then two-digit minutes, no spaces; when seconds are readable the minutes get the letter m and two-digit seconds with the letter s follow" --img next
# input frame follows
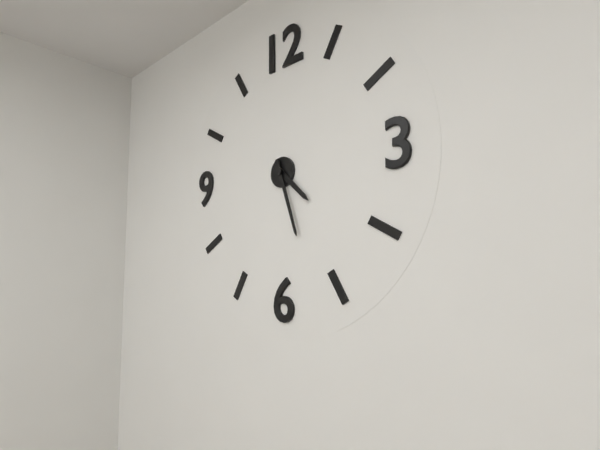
4h27
